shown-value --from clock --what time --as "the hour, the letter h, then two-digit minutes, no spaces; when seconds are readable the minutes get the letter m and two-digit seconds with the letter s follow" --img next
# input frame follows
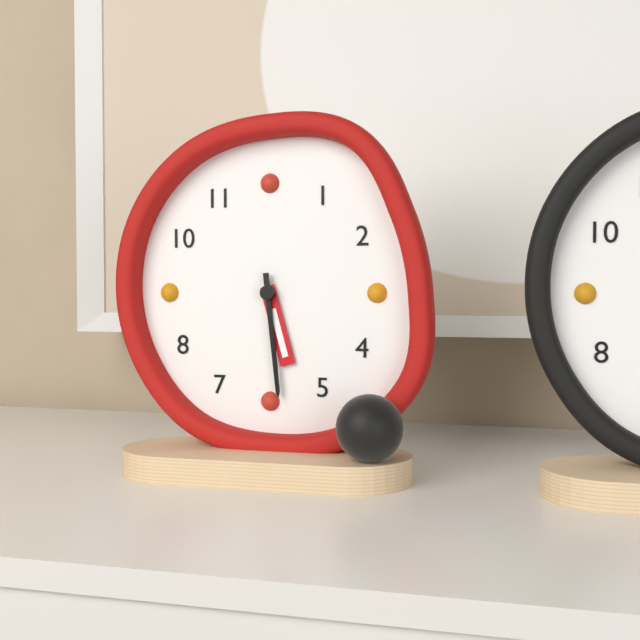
5h29
